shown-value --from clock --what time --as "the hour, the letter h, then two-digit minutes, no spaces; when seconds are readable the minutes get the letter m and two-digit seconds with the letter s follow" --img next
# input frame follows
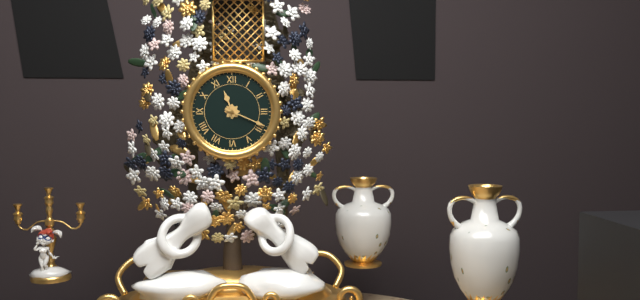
11h19
